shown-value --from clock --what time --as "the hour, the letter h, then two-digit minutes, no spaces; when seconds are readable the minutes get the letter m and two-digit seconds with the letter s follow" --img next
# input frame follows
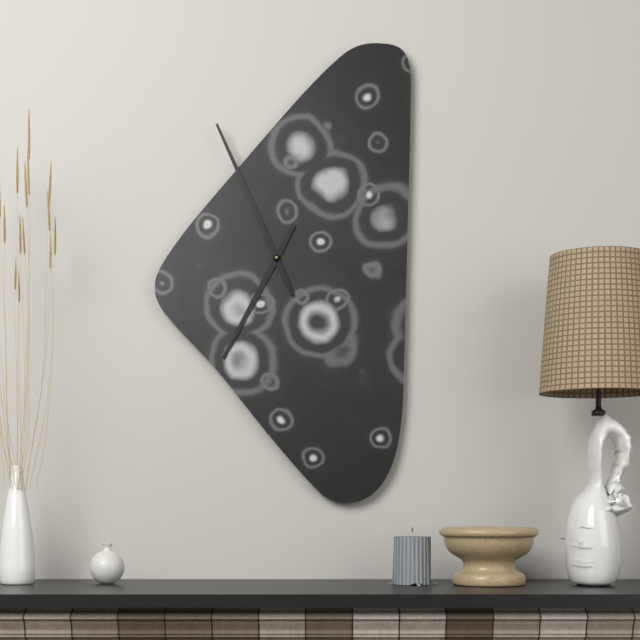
6h56
